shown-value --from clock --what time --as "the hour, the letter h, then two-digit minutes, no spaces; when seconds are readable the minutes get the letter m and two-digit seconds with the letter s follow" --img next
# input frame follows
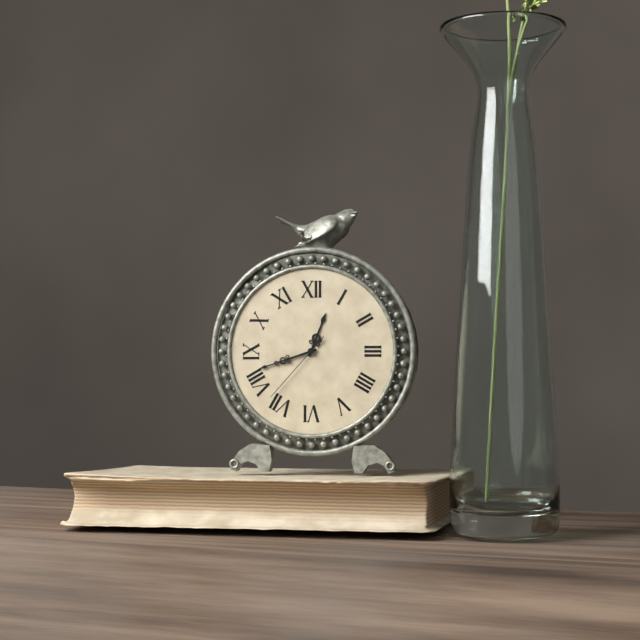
12h42m37s
